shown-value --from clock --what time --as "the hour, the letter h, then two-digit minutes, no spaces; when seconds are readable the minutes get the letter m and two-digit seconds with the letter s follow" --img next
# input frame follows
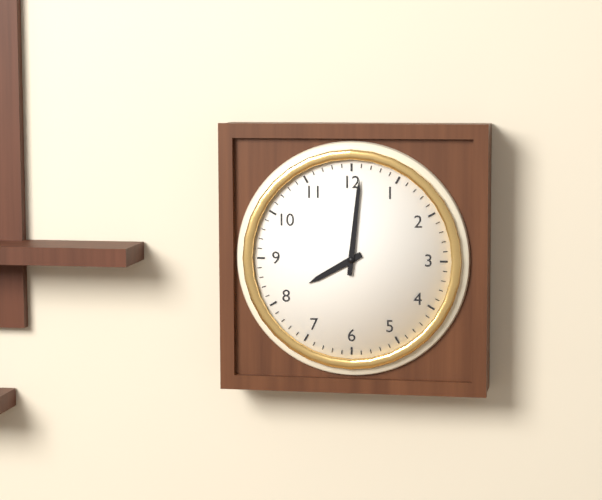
8h01
